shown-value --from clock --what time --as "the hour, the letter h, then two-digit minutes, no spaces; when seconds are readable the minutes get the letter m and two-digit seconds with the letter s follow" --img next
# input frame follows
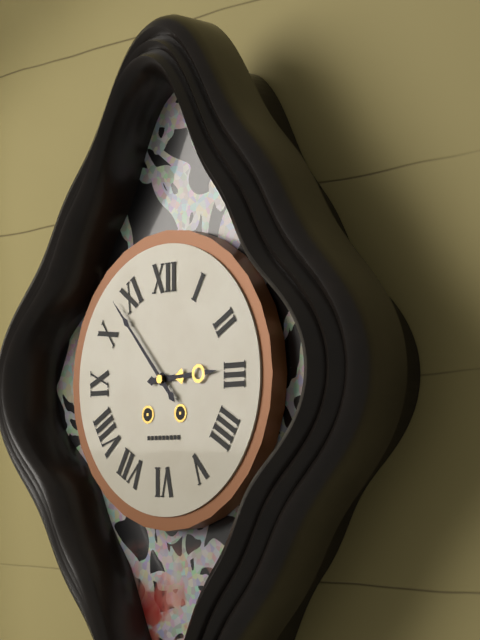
2h53
